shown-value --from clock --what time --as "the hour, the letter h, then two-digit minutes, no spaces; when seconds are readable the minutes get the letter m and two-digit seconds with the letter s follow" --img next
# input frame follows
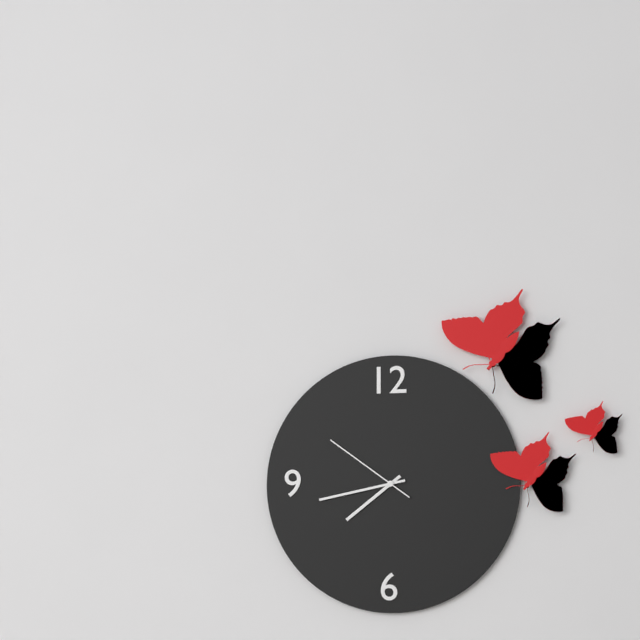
7h43m51s
